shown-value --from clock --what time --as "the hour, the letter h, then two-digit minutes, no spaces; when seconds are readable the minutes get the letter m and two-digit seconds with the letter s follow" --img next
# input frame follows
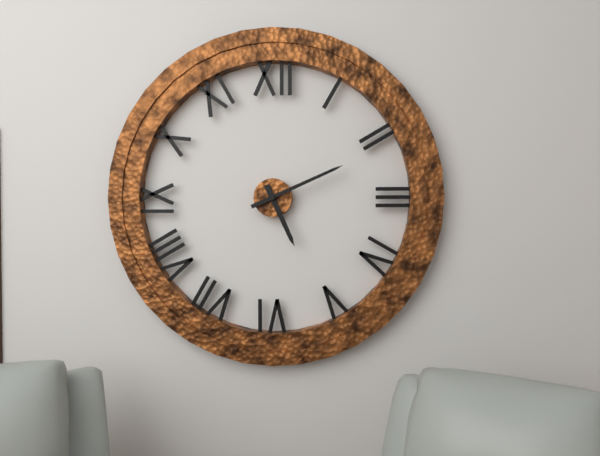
5h11
